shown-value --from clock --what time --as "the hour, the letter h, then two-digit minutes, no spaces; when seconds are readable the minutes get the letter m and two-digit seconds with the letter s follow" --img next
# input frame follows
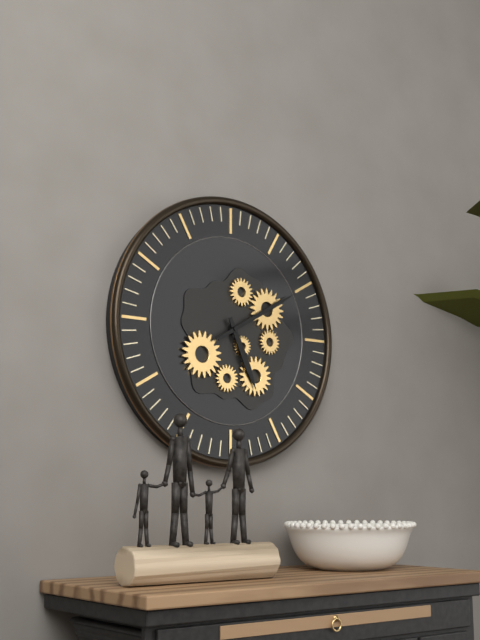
5h10
